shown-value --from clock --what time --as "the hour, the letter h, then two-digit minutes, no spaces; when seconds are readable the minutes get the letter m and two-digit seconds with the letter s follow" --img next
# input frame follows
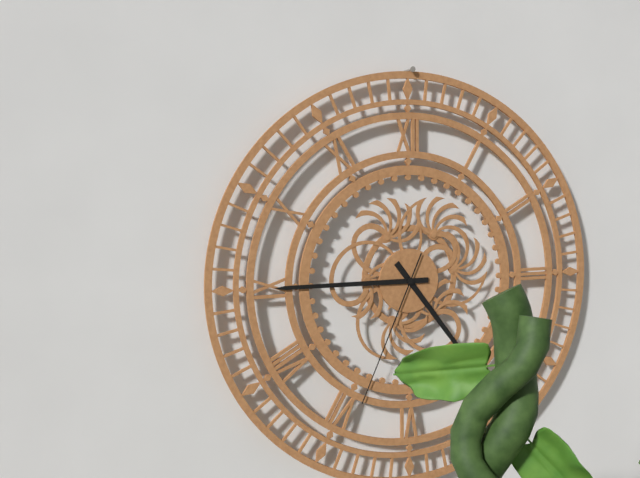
4h45m34s
